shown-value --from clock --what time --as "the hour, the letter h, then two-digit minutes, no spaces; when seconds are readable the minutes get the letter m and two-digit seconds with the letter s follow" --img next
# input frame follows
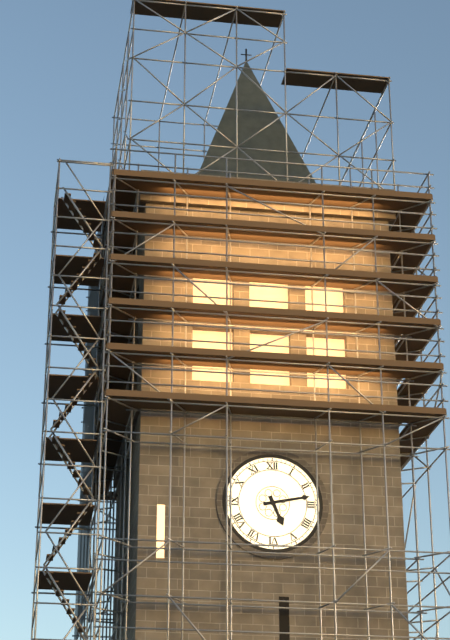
5h13
